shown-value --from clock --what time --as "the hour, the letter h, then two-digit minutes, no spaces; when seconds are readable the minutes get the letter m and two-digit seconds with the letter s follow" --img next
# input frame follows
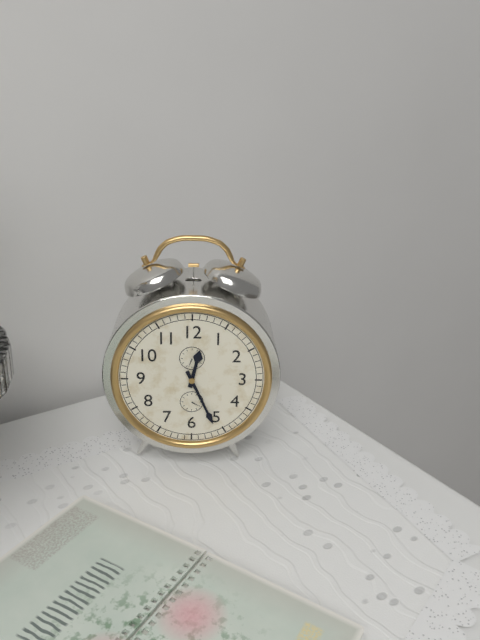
12h26
